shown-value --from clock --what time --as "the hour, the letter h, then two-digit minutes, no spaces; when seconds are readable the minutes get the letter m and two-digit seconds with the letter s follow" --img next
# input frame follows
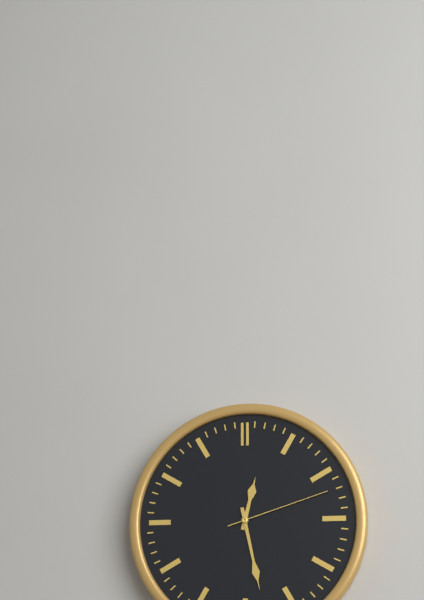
12h28m12s
